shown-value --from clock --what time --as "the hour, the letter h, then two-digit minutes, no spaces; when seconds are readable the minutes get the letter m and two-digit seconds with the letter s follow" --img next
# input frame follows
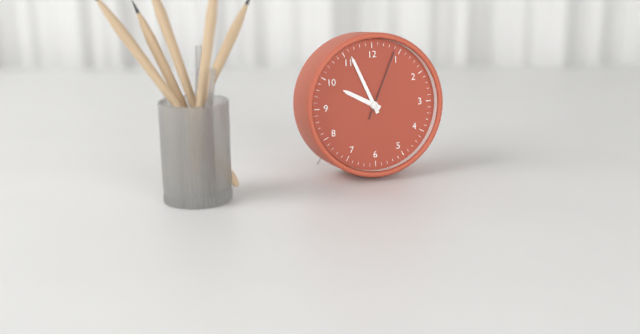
9h56m04s
